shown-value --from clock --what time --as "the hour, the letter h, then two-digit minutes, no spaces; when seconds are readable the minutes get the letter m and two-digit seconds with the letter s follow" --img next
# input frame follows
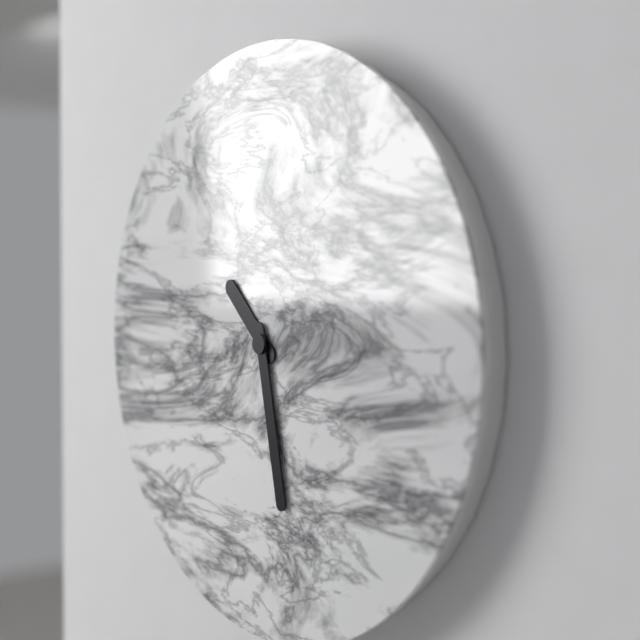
10h28
